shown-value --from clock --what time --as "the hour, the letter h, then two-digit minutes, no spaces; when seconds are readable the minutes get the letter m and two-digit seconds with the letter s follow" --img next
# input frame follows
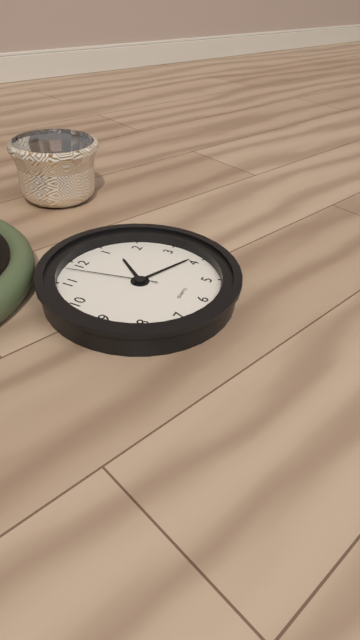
1h19m58s
